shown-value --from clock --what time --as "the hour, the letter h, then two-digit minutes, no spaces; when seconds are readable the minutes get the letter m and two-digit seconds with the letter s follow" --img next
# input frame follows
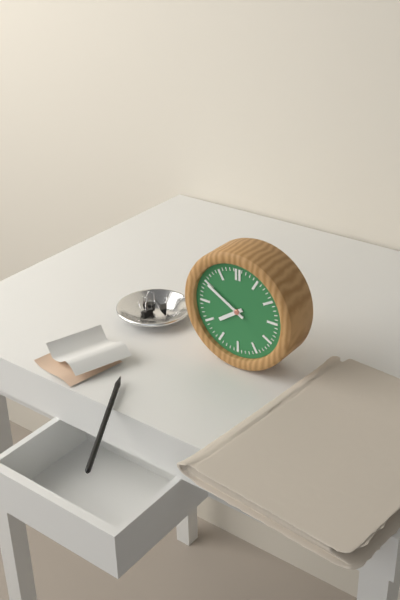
7h50
